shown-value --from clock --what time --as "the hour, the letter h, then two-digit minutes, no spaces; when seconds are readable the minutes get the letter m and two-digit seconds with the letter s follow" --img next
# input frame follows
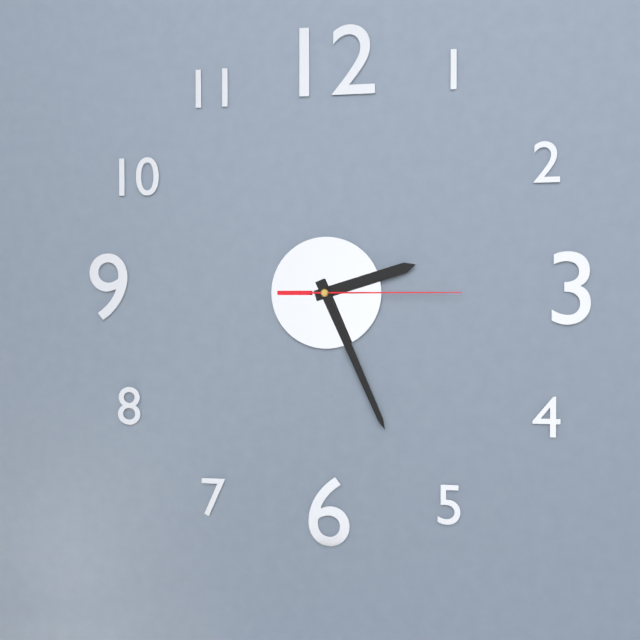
2h26m15s
